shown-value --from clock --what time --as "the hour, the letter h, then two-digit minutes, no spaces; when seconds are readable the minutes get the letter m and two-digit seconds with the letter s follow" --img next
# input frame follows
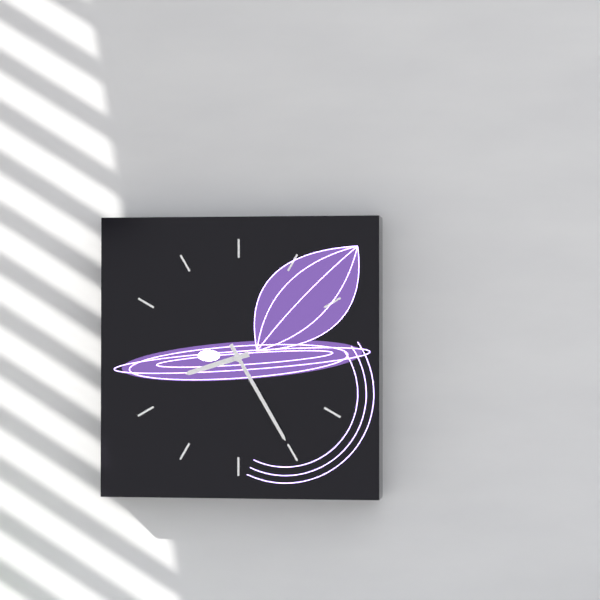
8h25
